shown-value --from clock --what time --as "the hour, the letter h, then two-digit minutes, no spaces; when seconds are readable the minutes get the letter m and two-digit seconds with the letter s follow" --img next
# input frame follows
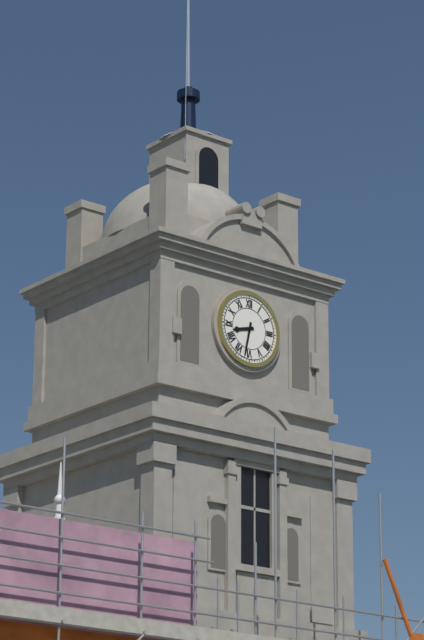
8h32
